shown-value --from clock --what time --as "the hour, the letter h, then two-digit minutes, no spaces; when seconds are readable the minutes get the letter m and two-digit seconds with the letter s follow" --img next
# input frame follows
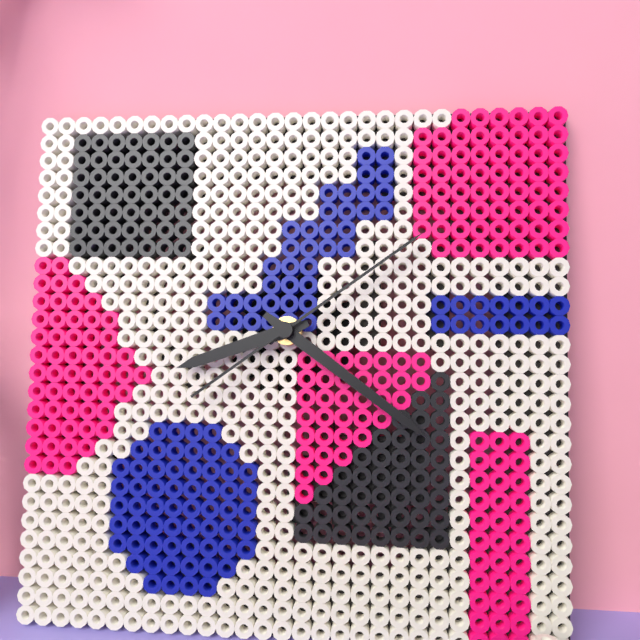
8h21m09s
